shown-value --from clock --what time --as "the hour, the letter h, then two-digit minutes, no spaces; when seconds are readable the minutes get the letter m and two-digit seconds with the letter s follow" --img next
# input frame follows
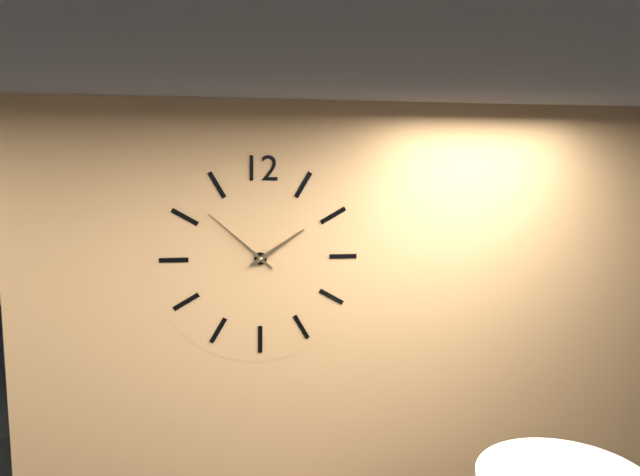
1h52
